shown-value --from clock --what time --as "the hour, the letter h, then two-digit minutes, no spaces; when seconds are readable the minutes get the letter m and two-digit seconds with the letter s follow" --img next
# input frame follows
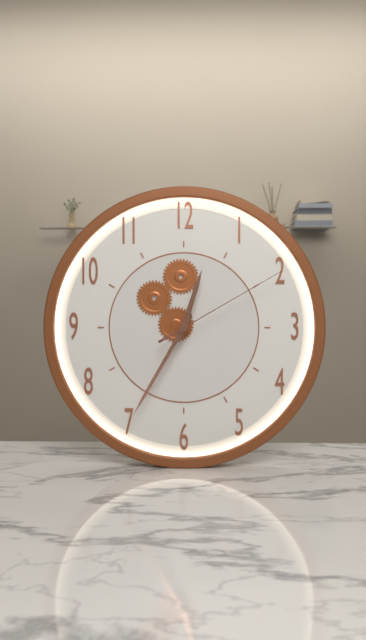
12h35m10s
